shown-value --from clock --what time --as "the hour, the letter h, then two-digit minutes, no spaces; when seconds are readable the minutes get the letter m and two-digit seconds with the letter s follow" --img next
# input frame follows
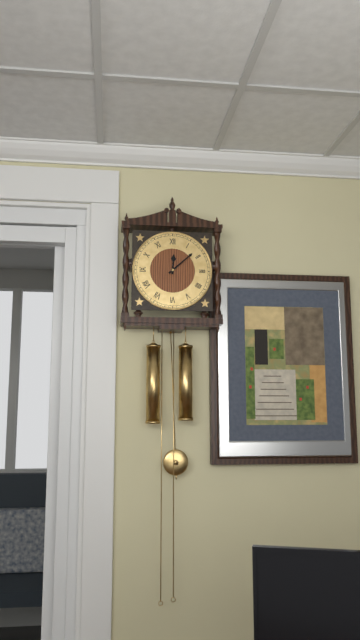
12h08
